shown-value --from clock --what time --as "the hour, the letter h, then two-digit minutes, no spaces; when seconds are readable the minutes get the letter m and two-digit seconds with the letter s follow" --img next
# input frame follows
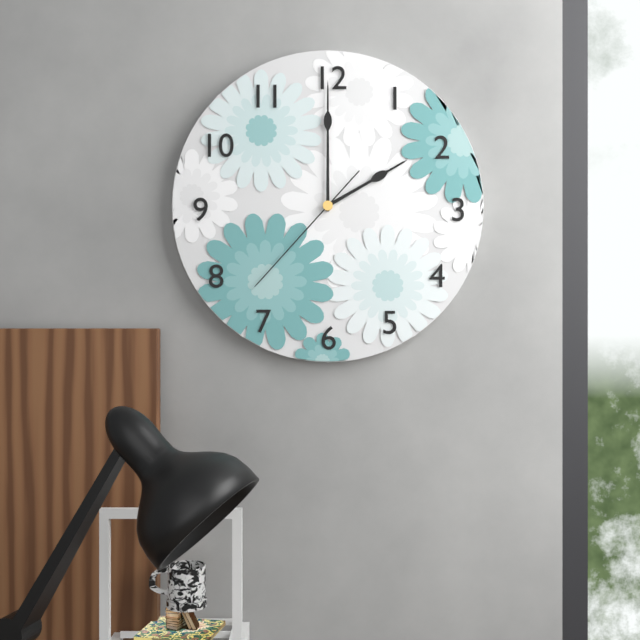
2h00m37s
